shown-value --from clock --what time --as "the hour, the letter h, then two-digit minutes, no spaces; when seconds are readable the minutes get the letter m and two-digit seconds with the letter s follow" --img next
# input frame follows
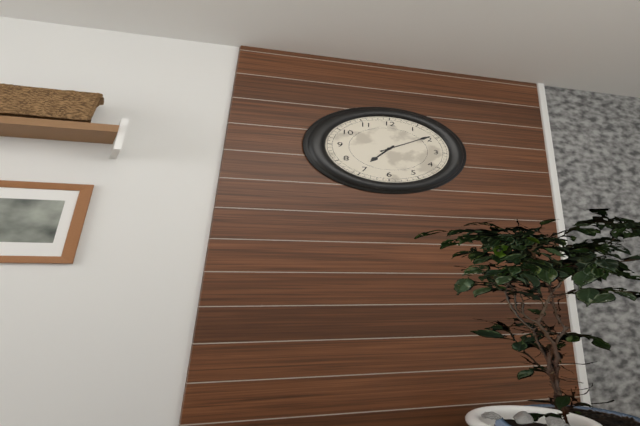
7h09
